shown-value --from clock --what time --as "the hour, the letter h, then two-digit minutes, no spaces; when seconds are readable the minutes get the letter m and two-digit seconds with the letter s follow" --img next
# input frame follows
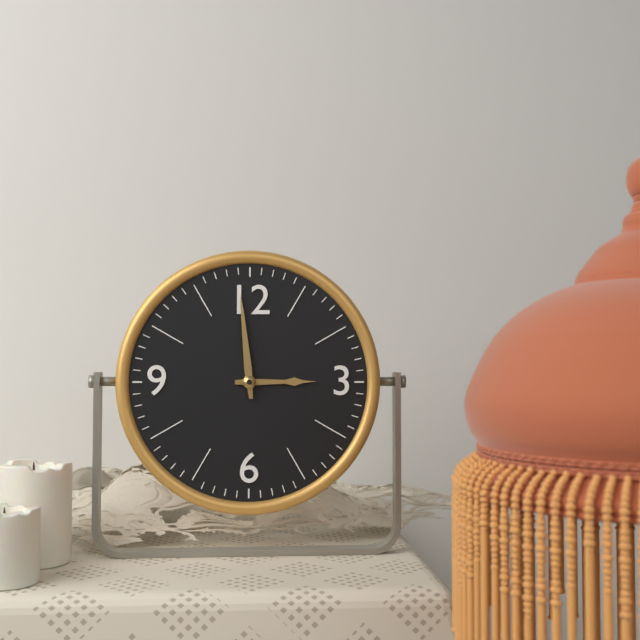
2h59
